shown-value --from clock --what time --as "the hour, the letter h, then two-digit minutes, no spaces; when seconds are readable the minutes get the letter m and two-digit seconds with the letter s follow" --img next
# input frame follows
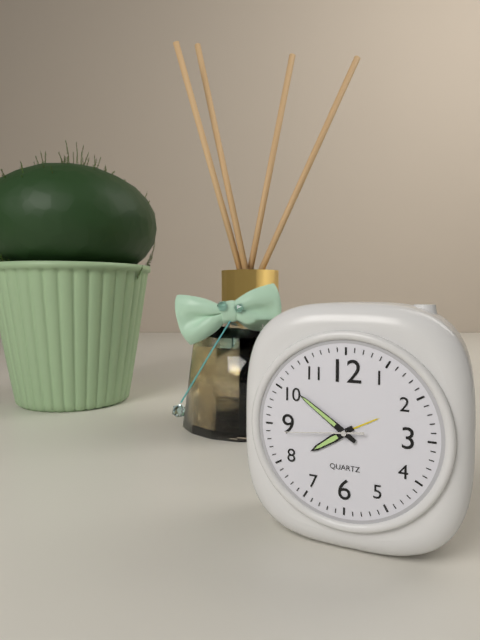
7h51m44s
